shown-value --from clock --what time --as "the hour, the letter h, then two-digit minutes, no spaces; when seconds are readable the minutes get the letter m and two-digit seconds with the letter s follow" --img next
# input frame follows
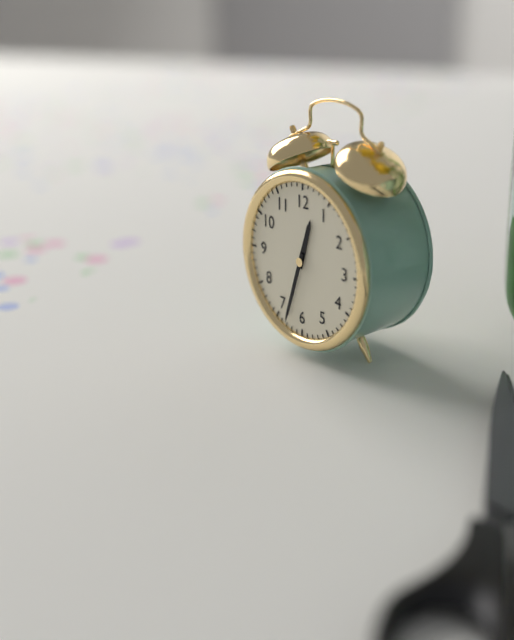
12h33
